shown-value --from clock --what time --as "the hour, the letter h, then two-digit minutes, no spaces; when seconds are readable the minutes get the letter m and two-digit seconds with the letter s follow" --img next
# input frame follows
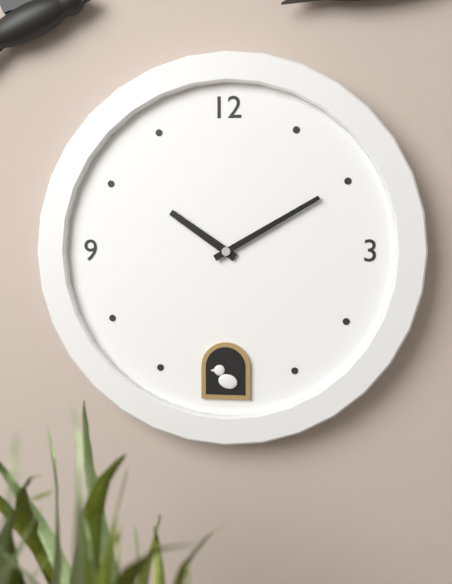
10h10
